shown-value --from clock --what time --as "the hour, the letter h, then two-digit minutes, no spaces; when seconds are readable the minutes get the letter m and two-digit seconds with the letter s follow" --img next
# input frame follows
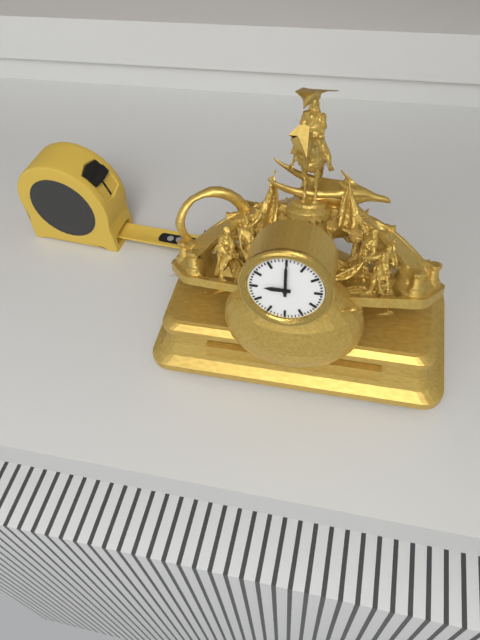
9h00
